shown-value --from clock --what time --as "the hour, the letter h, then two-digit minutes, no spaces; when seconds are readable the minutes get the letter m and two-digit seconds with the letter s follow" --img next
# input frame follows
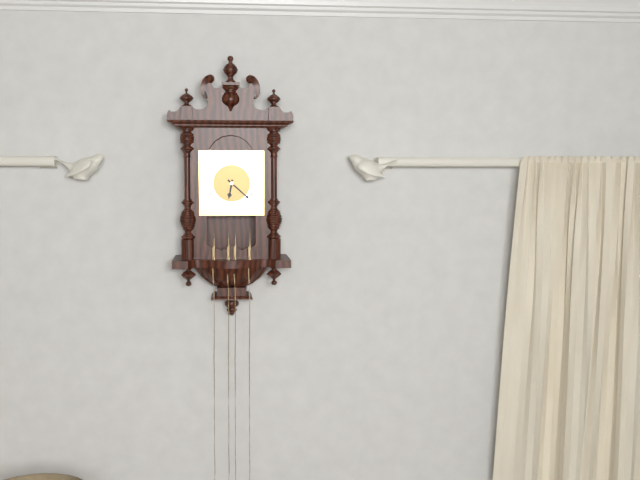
6h22
